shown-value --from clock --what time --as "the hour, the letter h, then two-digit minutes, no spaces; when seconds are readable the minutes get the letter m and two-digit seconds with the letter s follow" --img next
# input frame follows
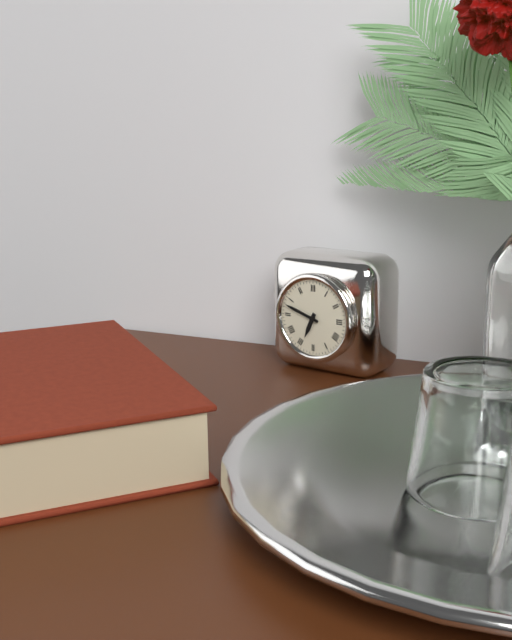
6h48
